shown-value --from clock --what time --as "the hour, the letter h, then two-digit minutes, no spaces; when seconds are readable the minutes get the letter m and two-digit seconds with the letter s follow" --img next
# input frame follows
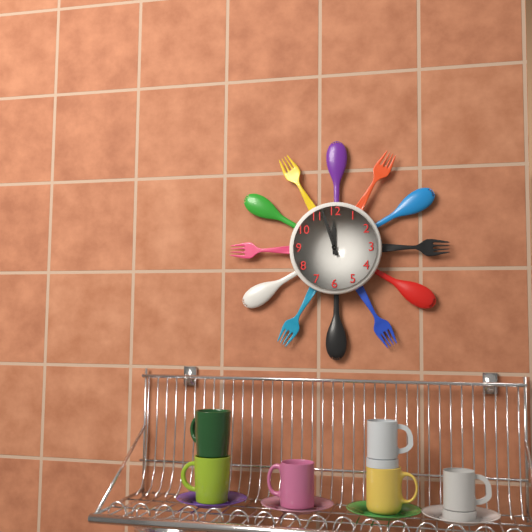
11h57
